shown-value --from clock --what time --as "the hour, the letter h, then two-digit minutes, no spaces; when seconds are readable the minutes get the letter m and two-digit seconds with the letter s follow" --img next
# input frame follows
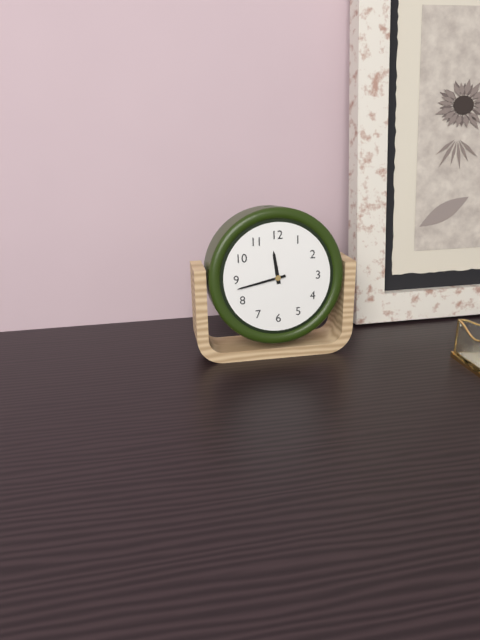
11h43
